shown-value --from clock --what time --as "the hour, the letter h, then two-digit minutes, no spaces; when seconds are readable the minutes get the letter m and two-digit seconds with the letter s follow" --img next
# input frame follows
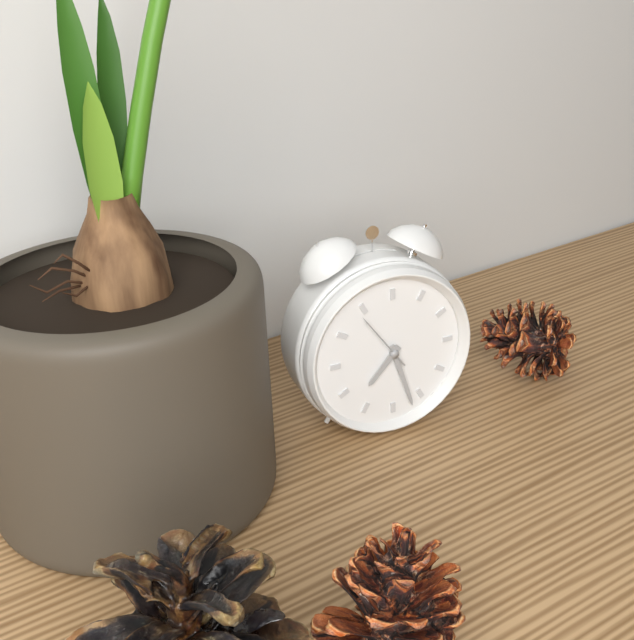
7h27m54s
